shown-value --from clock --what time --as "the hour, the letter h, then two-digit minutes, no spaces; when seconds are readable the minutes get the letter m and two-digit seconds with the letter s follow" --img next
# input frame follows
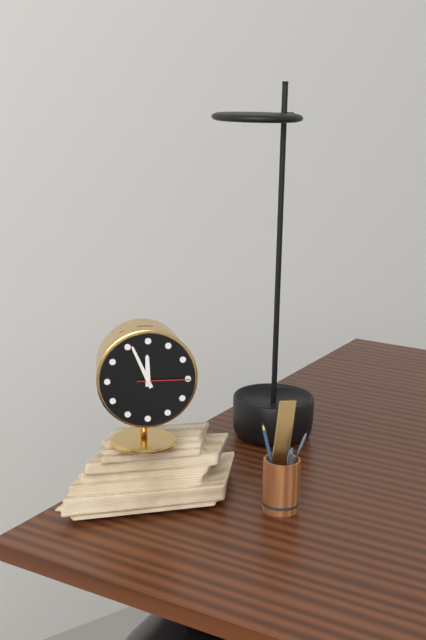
11h56m15s
